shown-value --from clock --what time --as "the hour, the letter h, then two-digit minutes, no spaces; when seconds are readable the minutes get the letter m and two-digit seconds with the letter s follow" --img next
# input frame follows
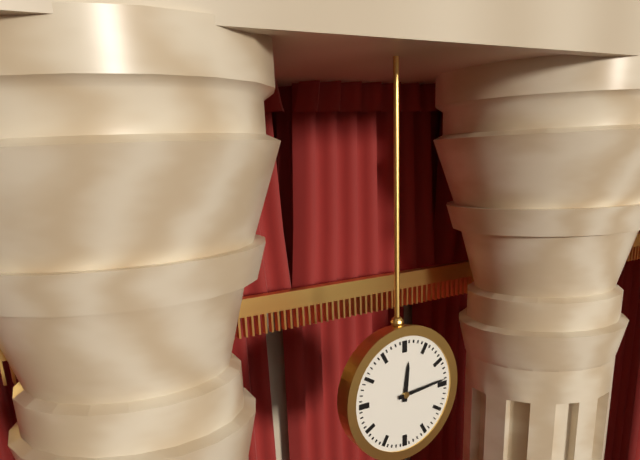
12h14
